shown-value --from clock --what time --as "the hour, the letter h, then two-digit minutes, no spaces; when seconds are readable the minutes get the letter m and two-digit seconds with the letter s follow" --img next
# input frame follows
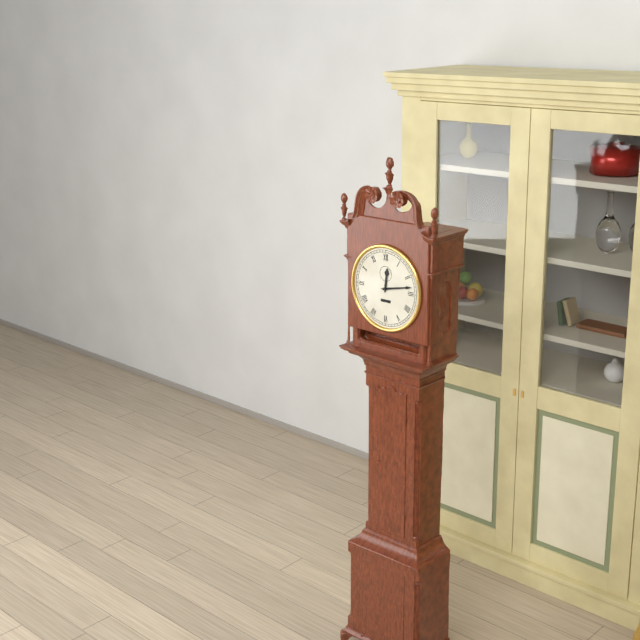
12h13
